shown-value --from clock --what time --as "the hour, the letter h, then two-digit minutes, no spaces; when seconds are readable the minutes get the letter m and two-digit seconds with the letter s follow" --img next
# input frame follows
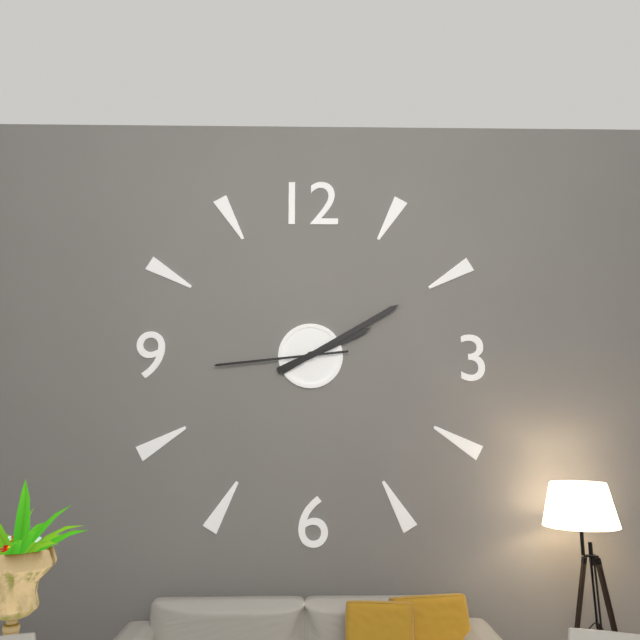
2h10m44s
